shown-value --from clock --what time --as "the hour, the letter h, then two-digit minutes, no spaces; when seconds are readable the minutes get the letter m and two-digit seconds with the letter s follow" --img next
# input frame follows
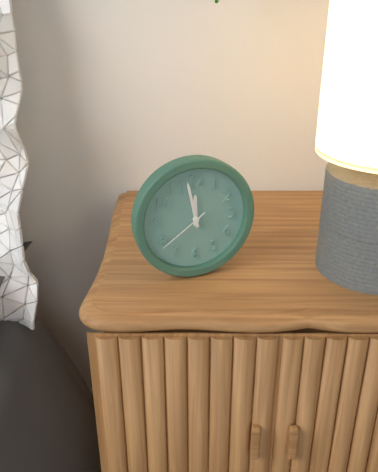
11h58m39s
